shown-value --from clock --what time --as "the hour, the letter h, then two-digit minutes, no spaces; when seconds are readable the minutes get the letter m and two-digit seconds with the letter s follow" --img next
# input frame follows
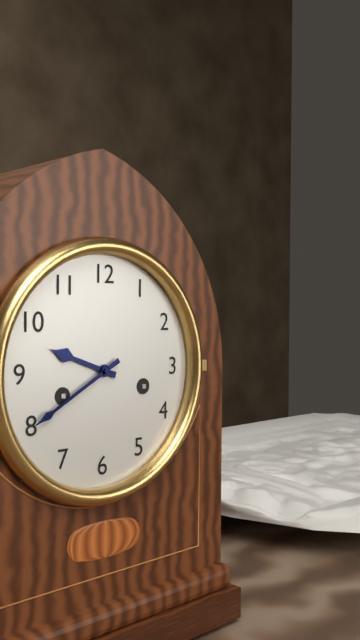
9h40
